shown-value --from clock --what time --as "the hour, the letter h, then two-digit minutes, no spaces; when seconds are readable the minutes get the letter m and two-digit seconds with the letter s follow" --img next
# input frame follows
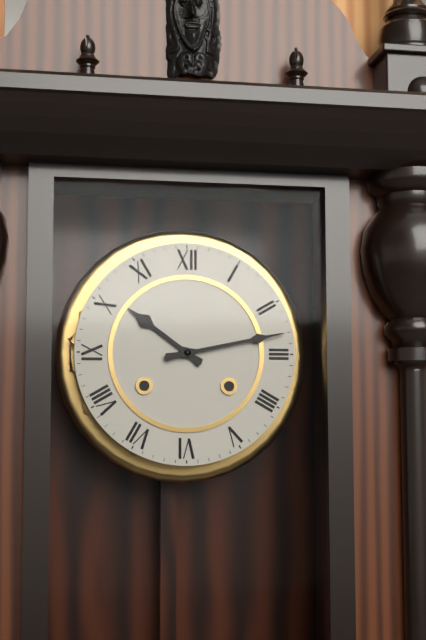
10h13
